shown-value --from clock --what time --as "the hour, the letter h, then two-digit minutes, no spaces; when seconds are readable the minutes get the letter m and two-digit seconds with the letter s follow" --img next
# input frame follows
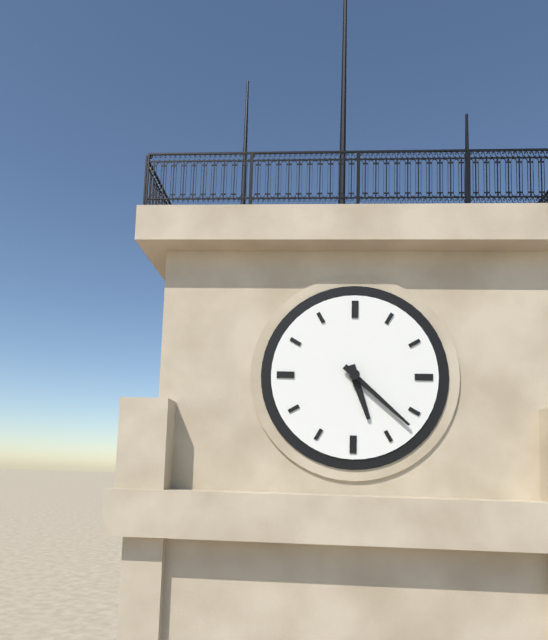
5h22
